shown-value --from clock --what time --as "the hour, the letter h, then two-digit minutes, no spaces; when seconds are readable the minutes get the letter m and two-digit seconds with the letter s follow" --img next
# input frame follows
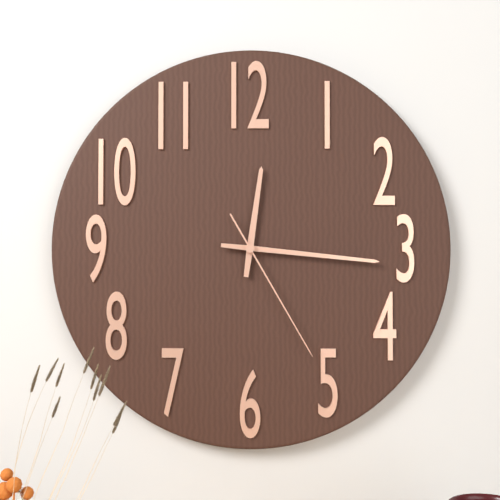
12h16m25s
